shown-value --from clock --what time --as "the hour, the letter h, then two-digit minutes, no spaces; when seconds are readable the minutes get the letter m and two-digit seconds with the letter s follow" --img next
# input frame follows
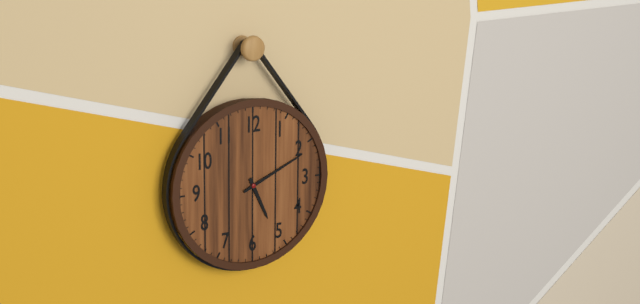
5h11
